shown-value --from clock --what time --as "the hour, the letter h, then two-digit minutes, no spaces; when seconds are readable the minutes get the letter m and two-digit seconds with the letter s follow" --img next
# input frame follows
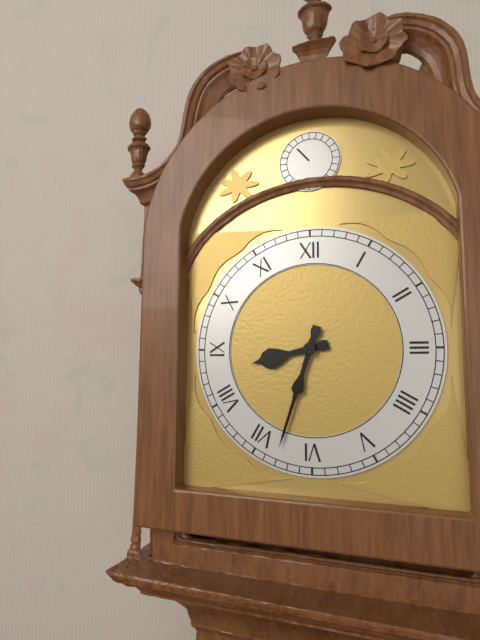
8h33
